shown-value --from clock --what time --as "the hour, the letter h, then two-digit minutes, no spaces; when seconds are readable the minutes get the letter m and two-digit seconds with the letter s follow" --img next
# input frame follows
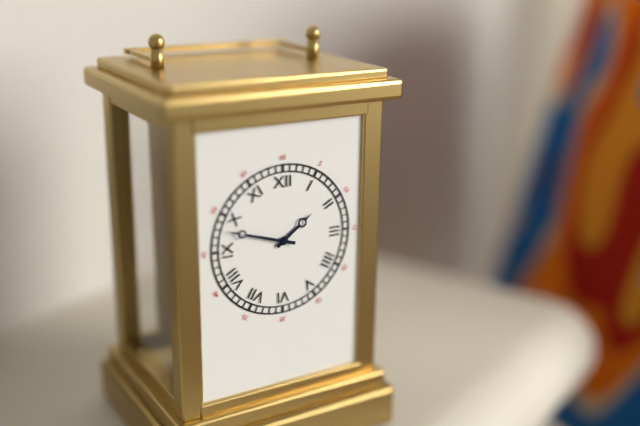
1h48
